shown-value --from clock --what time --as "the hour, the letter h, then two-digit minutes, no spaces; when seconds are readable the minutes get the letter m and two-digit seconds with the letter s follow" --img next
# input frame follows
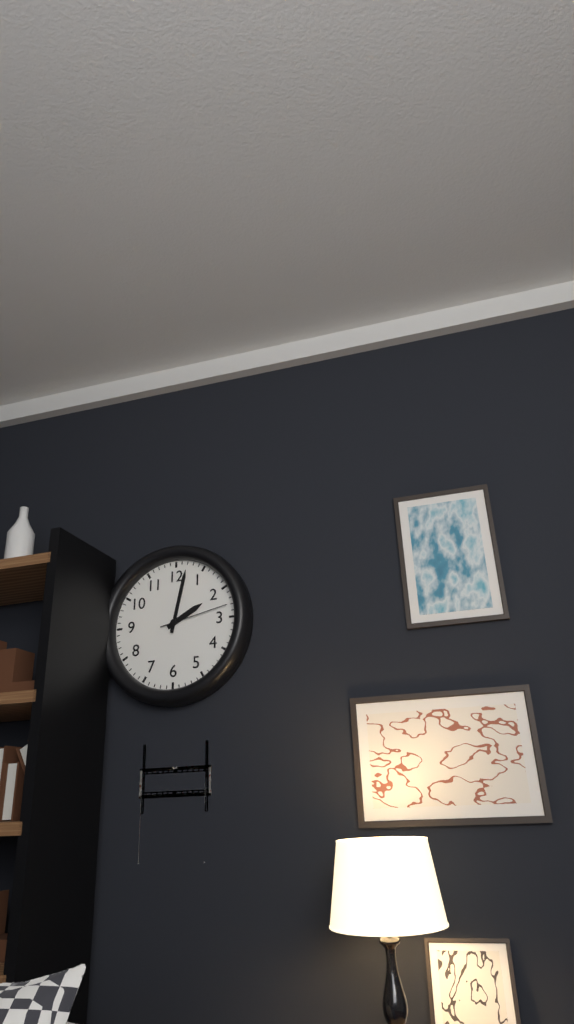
2h02m13s
